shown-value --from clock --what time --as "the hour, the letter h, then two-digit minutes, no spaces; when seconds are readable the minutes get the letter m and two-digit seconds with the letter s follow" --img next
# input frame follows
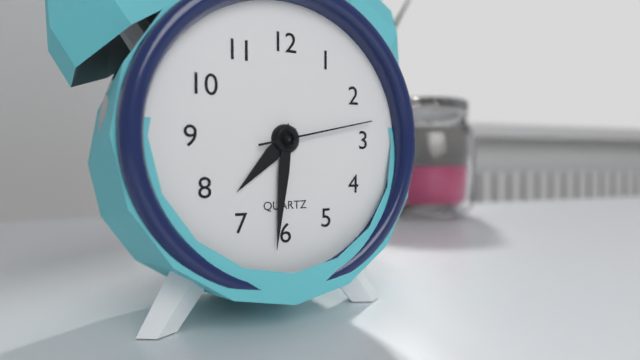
7h31m13s
